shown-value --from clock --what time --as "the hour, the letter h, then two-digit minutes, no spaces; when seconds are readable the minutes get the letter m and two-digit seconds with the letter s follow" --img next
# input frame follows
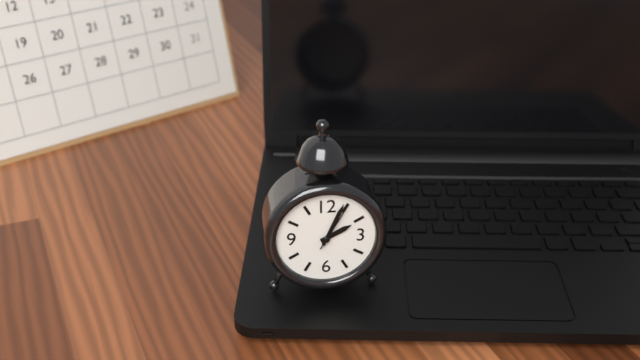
2h04
